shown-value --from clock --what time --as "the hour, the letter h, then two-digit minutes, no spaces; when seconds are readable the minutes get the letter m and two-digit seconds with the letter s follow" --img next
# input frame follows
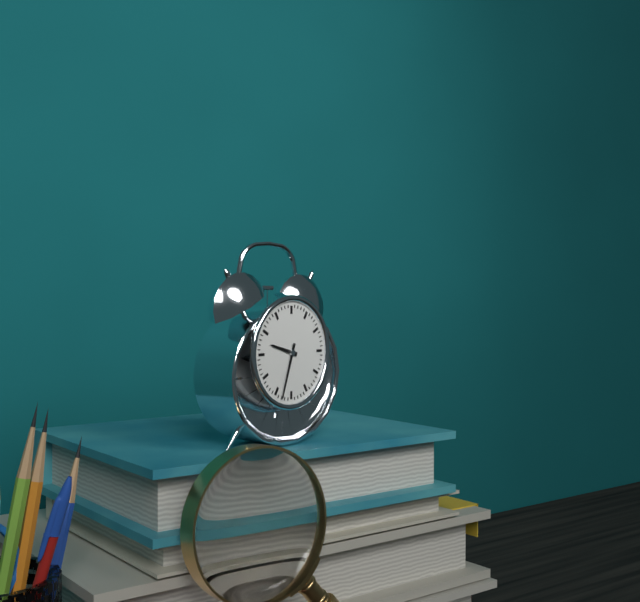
9h33
